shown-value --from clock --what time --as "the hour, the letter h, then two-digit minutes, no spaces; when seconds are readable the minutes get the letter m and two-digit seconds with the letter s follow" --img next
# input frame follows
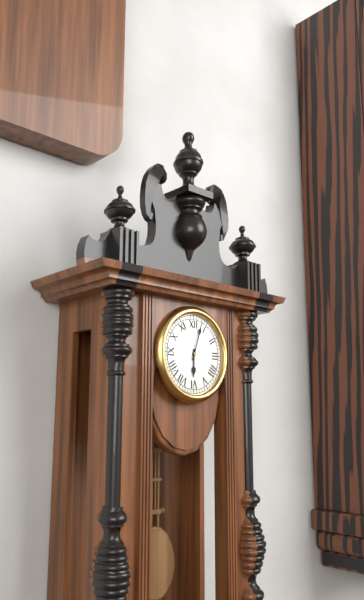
6h03
